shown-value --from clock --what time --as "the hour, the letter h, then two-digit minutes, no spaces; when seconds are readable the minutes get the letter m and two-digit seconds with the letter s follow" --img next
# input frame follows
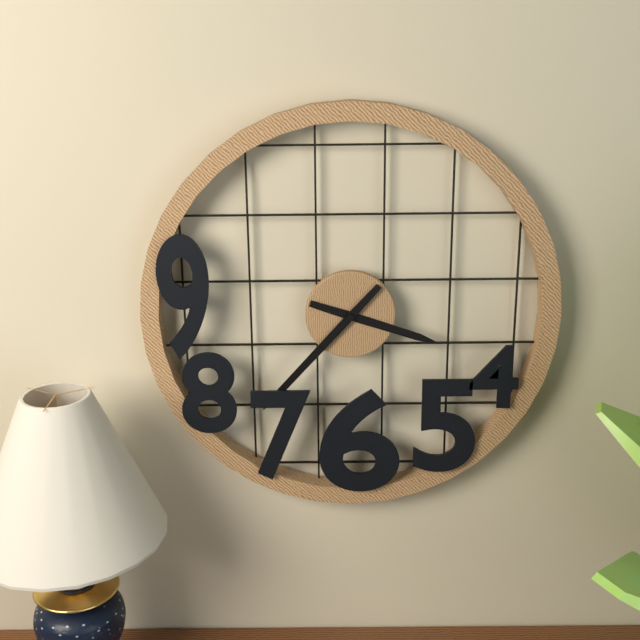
3h37
